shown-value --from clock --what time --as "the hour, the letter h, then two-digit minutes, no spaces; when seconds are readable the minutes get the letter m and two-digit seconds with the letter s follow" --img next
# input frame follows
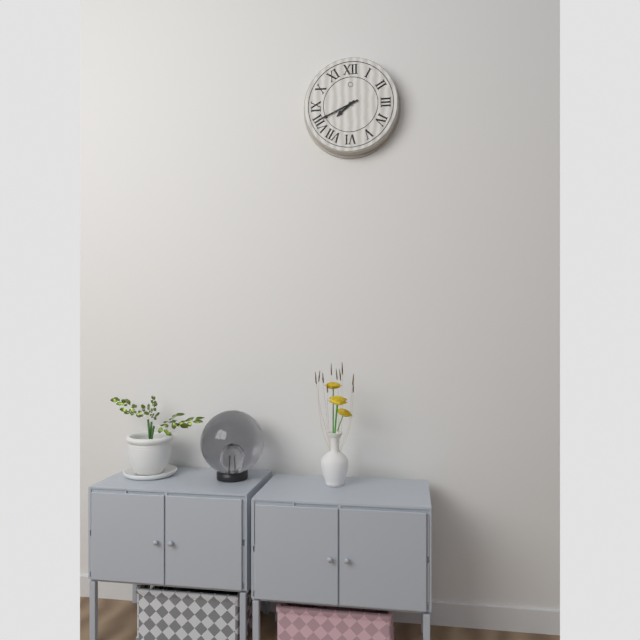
7h41
